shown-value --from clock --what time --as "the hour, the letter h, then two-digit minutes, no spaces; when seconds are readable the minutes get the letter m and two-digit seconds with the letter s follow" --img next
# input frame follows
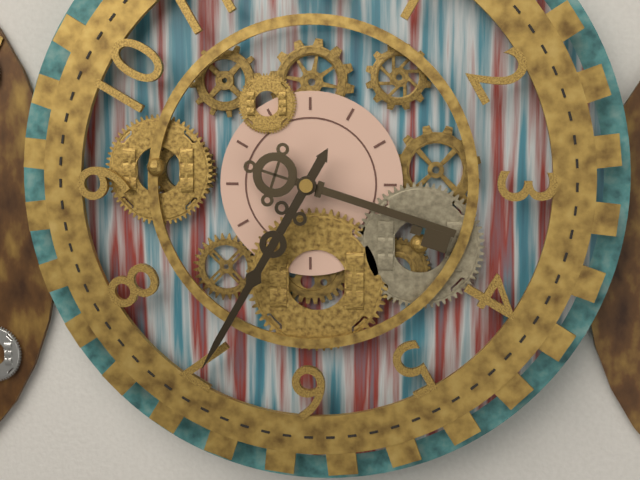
3h35
